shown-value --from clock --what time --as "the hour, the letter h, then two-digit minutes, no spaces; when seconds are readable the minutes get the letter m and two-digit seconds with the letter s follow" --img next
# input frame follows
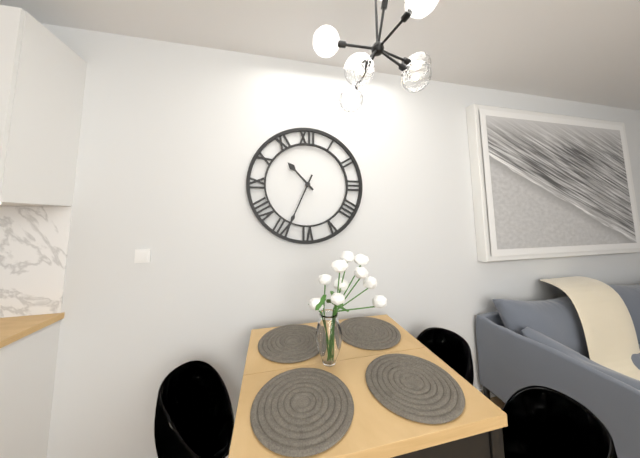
10h34
